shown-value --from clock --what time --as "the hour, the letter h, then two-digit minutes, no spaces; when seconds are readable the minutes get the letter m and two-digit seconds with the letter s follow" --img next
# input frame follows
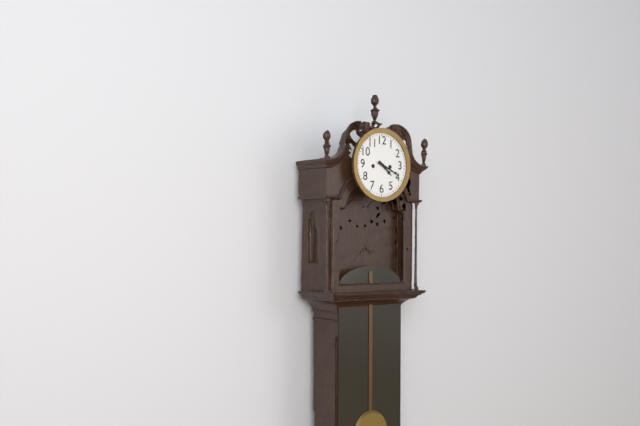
4h19
